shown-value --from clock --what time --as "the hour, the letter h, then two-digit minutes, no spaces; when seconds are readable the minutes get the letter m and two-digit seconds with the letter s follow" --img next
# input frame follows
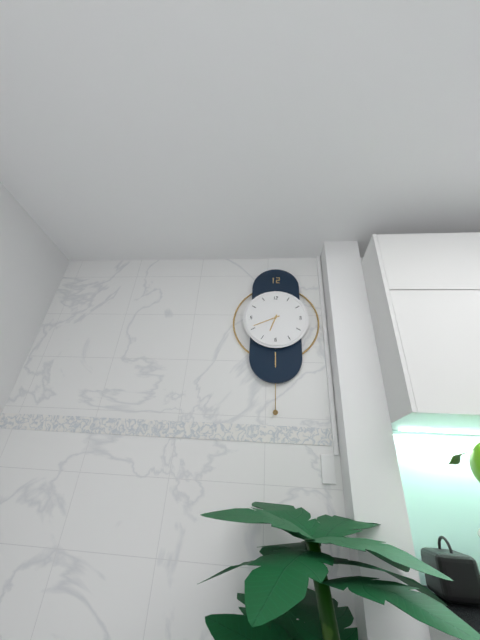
6h41
